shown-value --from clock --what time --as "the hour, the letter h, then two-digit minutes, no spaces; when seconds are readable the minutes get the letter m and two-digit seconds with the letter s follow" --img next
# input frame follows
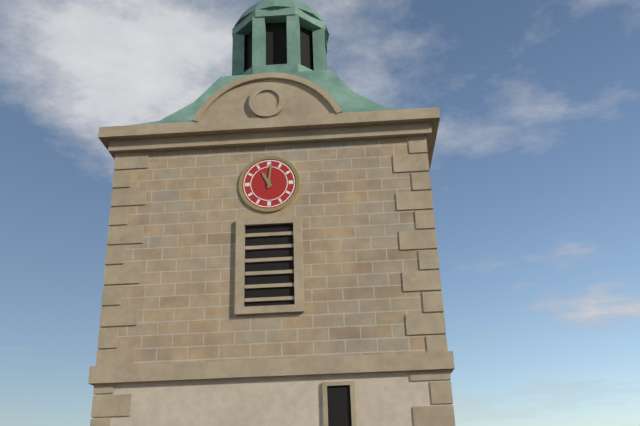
11h01
